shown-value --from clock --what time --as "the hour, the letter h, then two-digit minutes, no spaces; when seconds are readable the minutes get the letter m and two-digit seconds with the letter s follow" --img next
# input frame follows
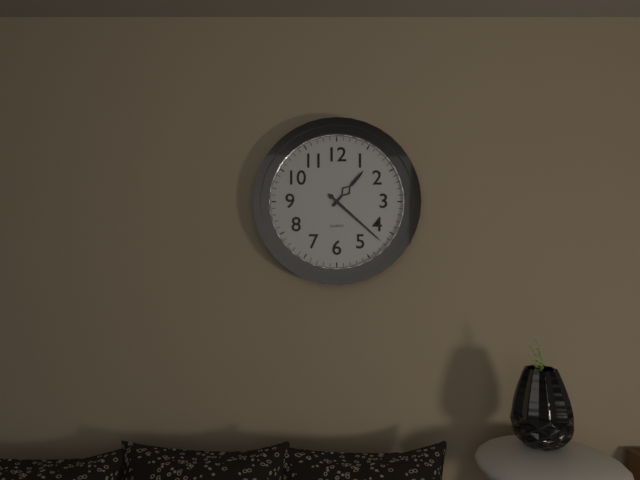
1h22
